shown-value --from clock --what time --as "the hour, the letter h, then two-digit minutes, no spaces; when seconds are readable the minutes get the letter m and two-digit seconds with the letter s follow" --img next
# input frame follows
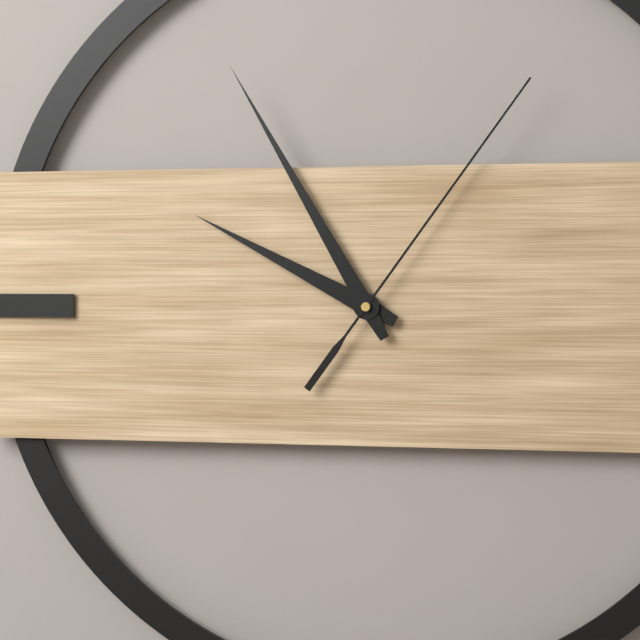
9h55m06s
